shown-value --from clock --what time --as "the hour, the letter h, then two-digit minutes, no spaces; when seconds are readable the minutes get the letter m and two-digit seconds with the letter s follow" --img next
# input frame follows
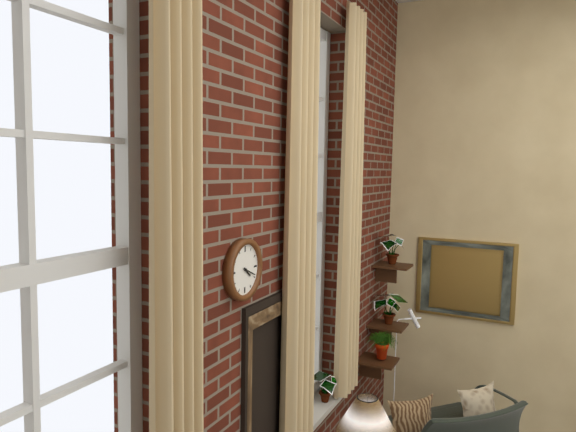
4h19
